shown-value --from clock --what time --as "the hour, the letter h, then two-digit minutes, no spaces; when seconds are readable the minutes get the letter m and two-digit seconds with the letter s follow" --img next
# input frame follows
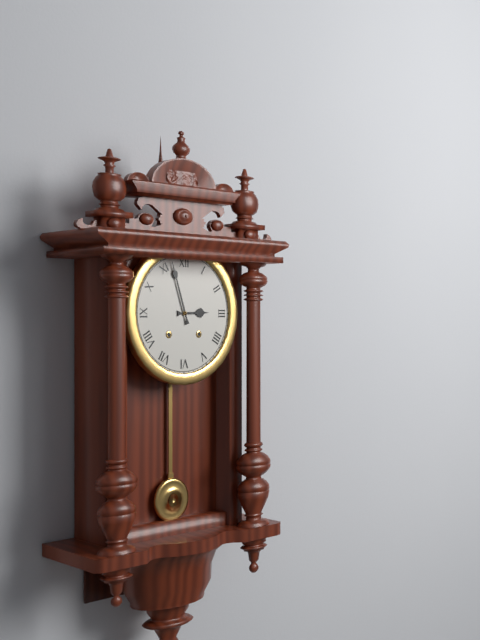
2h57
